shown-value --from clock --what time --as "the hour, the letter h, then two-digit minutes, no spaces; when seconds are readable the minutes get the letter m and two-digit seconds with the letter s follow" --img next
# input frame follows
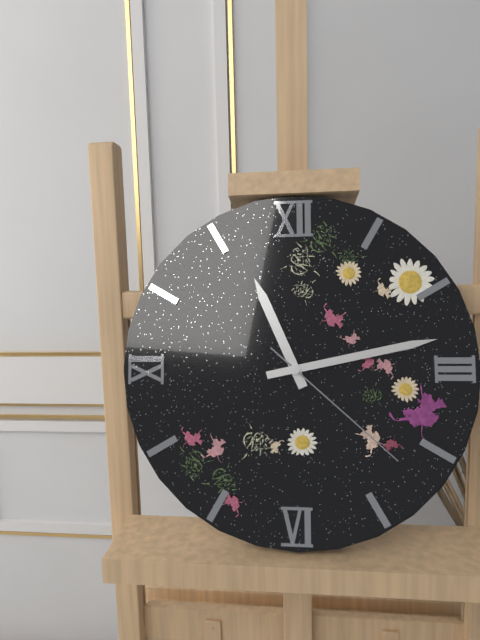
11h13m22s
